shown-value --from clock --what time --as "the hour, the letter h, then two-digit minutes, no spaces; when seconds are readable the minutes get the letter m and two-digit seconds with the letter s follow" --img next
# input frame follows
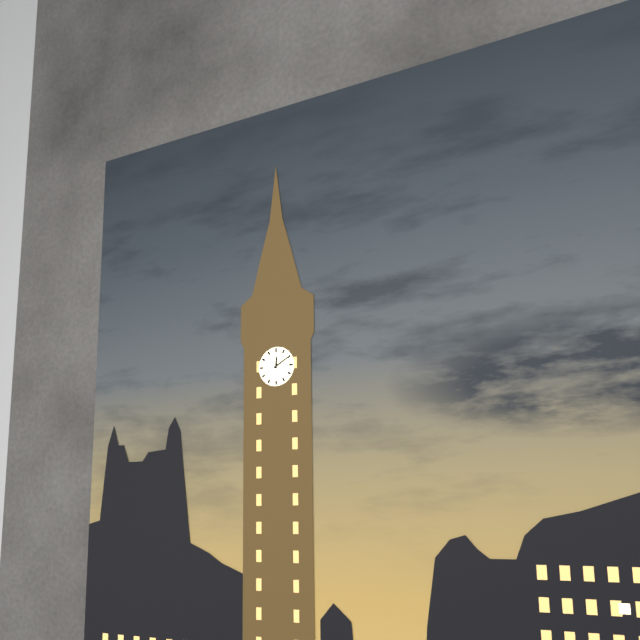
12h10
